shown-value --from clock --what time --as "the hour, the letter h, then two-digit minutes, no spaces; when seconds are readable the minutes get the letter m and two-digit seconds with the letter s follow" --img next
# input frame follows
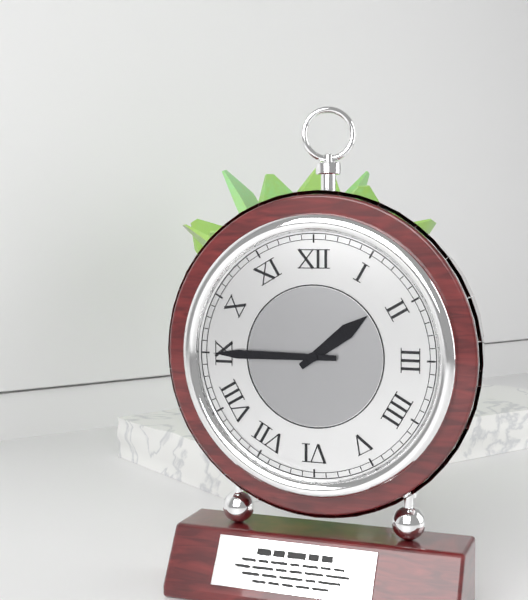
1h45
